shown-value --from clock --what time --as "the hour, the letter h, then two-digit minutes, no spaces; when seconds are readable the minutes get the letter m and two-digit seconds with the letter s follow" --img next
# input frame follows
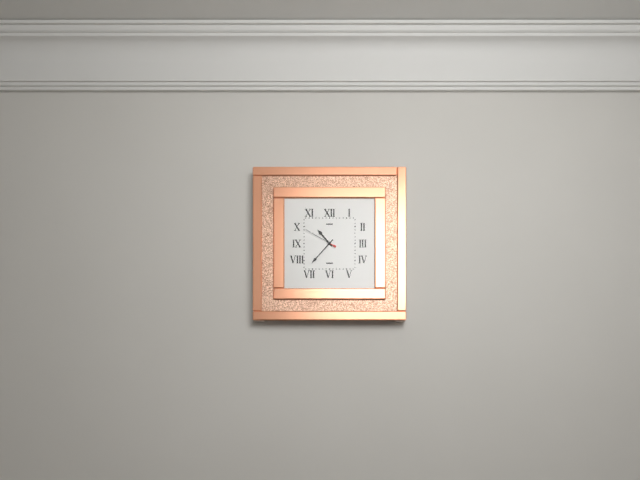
10h37
